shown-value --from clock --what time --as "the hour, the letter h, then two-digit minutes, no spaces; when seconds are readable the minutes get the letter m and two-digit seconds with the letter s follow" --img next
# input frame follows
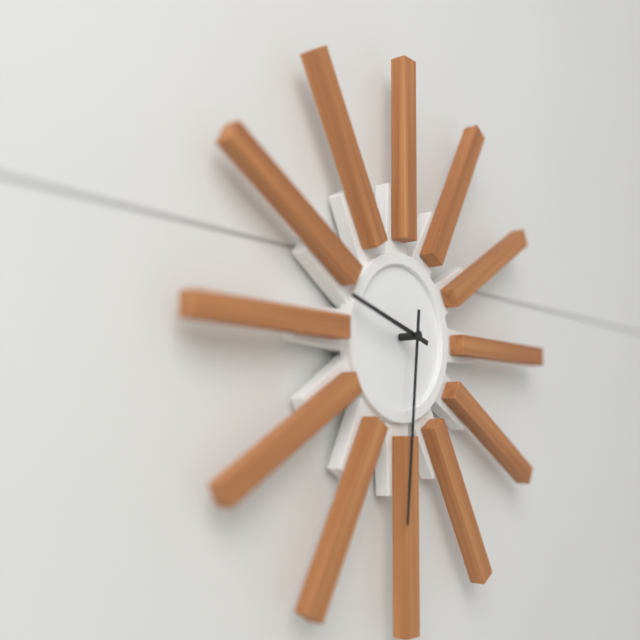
9h31
